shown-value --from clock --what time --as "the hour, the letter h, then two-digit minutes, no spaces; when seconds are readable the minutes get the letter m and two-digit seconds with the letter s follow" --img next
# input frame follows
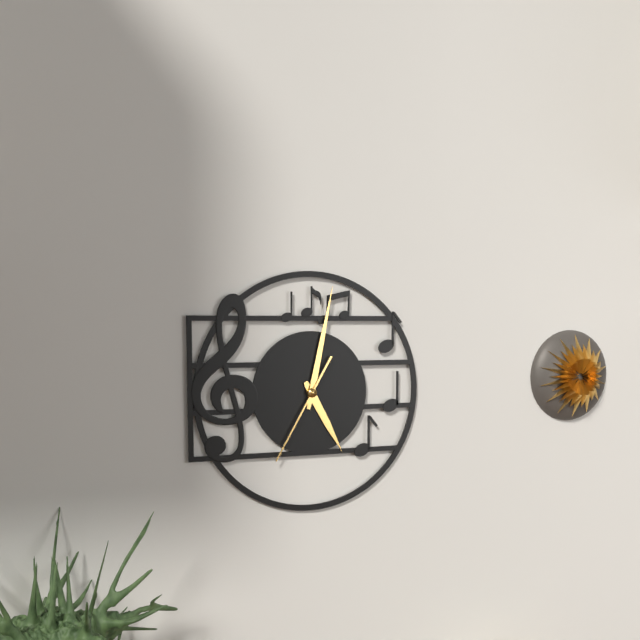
5h02m35s
